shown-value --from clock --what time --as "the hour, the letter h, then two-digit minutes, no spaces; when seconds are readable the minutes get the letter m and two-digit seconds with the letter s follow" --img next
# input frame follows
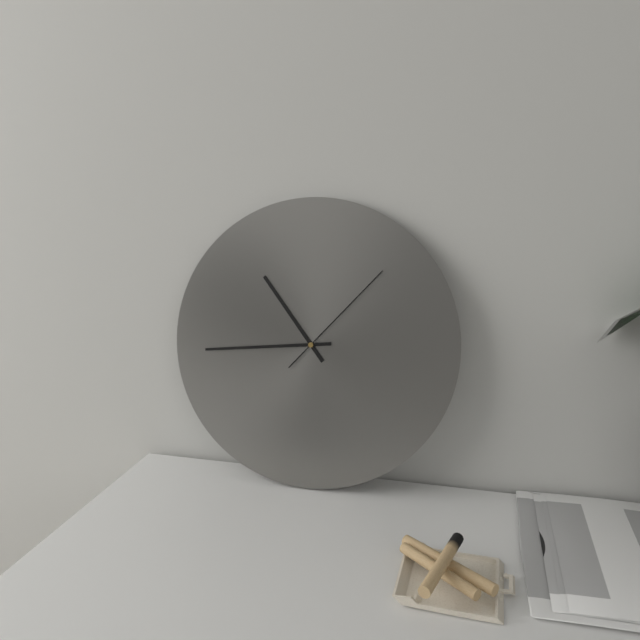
10h44m07s
